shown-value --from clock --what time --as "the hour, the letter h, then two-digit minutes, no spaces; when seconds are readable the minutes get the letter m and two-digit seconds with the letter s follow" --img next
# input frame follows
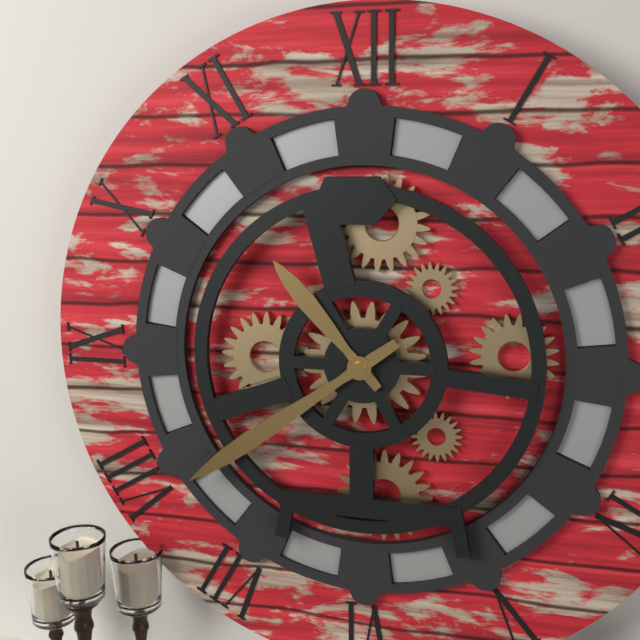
10h39
